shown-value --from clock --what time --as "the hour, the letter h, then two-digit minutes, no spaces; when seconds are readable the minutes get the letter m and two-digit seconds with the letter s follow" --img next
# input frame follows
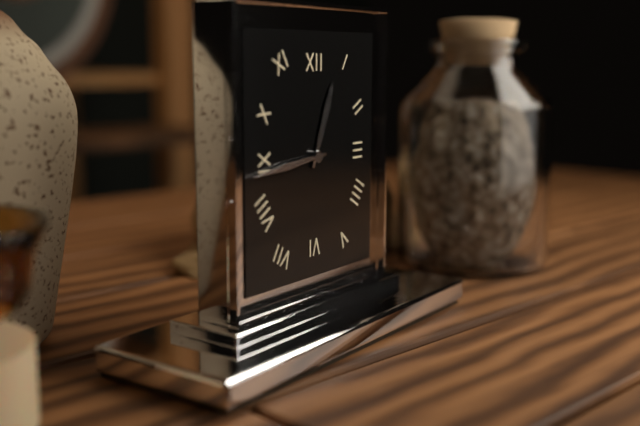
12h44
